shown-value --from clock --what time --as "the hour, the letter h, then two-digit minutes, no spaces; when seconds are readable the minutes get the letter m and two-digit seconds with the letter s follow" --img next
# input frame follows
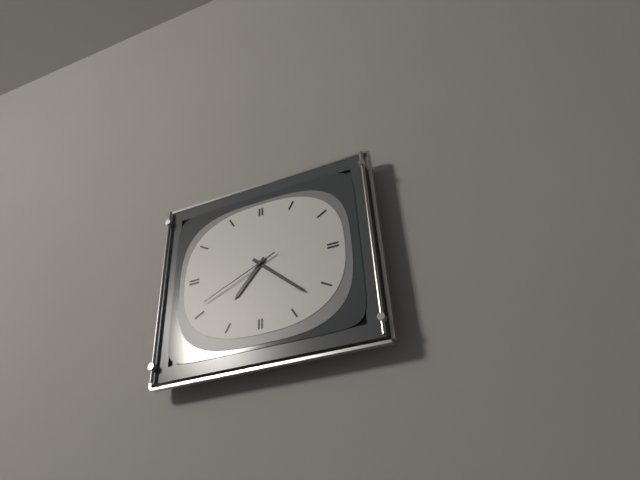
7h22m41s
